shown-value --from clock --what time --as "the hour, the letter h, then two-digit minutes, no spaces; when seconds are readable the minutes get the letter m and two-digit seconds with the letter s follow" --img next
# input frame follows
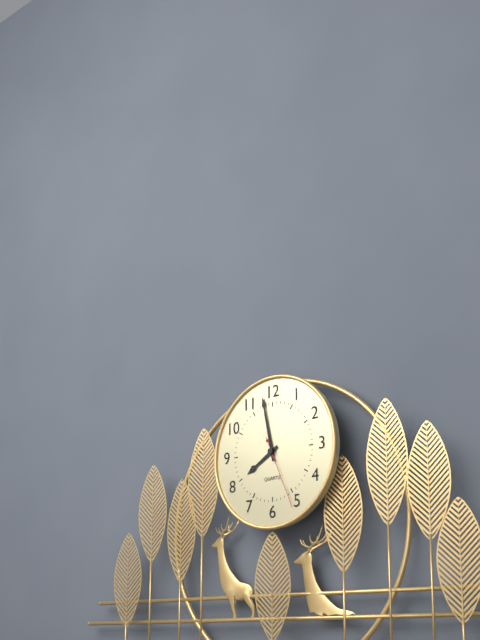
7h58m26s
